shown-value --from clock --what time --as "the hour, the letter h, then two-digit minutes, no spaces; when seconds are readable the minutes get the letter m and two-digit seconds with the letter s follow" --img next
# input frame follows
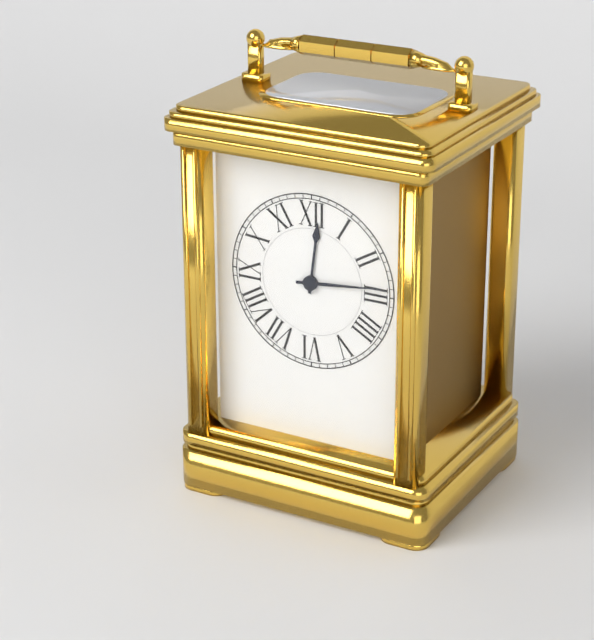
12h14
